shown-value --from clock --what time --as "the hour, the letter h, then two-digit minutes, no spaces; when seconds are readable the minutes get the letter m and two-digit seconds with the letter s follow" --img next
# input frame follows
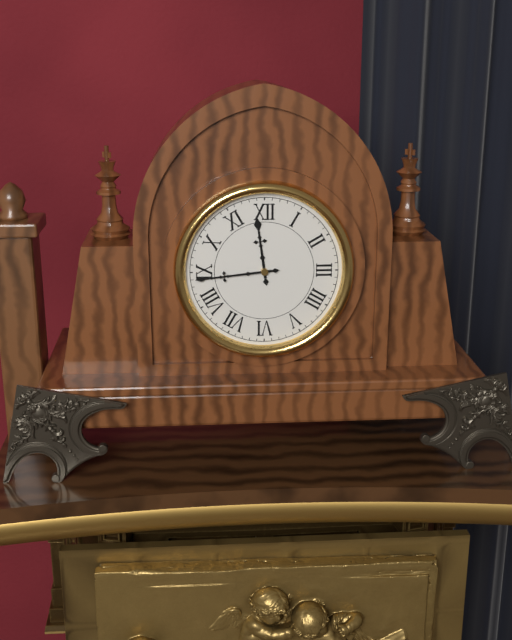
11h44
